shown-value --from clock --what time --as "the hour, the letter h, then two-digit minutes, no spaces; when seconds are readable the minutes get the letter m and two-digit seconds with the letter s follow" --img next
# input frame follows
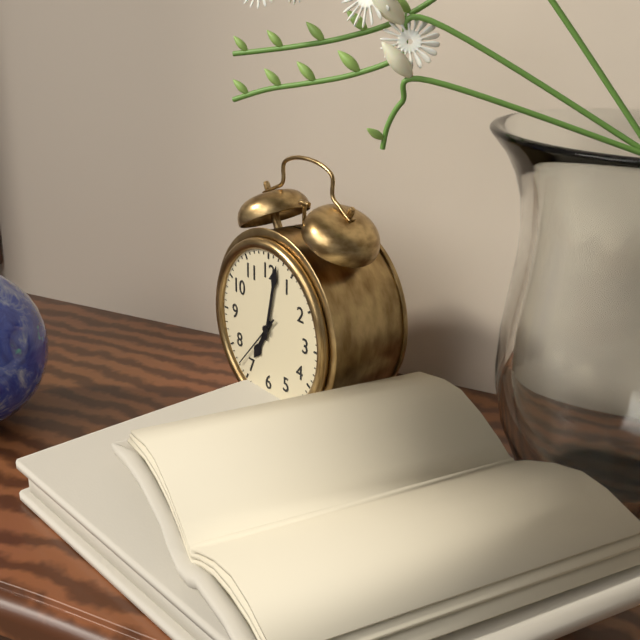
7h02m37s
